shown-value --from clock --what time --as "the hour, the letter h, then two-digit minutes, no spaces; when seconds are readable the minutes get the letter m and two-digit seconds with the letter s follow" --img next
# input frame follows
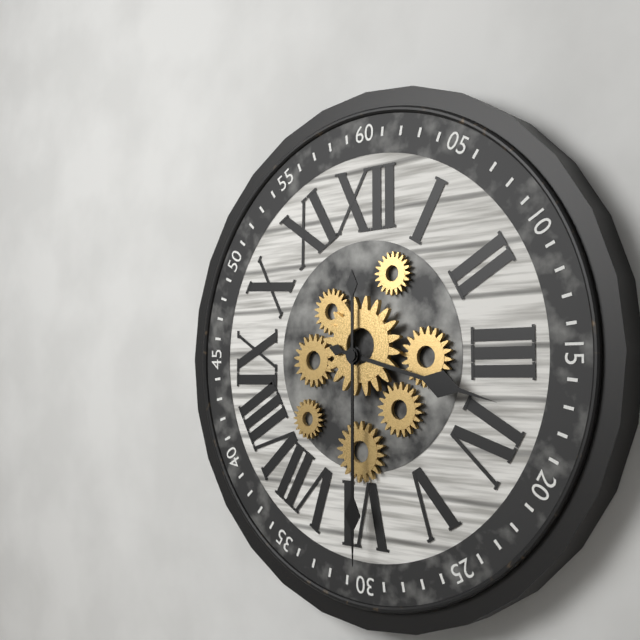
3h30
